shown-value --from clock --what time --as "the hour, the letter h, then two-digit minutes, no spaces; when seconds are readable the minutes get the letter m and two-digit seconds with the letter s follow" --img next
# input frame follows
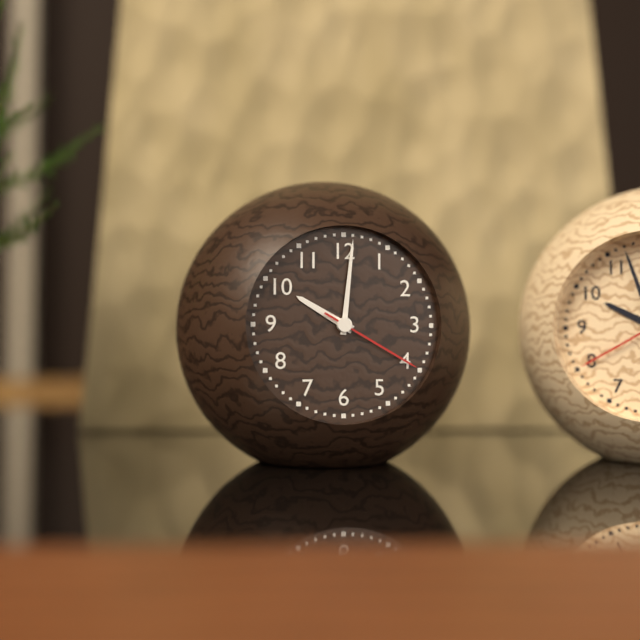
10h01m20s
